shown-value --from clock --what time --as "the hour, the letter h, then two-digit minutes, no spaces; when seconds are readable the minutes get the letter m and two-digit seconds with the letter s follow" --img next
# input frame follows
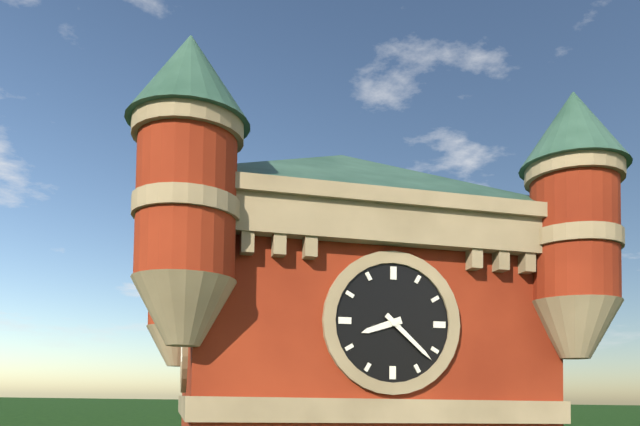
8h22
